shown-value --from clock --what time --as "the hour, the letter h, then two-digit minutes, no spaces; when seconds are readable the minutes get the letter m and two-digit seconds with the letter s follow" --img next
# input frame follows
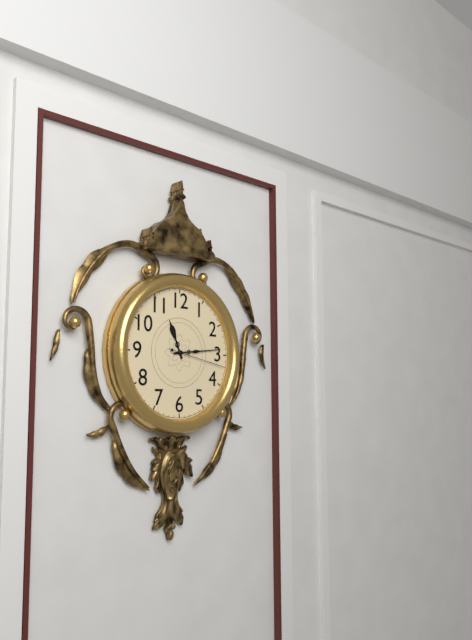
11h14m17s
